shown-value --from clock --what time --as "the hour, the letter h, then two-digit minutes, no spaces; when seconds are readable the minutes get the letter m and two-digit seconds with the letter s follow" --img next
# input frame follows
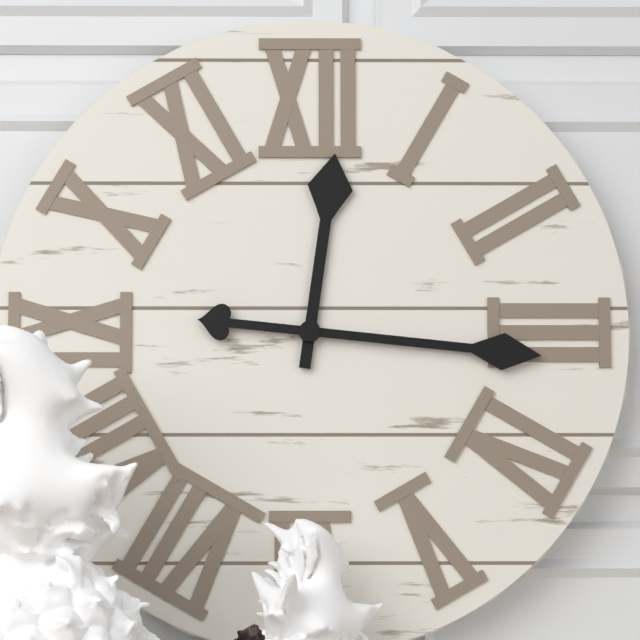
12h16
